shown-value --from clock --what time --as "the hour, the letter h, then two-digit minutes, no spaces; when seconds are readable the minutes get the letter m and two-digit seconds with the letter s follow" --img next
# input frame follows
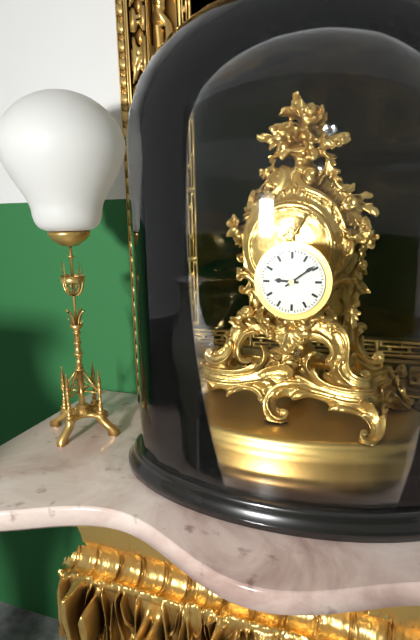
9h09
